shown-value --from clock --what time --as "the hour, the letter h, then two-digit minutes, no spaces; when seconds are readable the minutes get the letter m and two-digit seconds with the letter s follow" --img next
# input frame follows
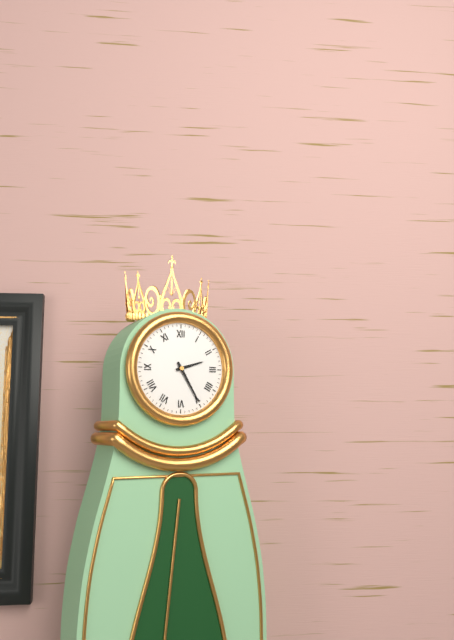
2h25
